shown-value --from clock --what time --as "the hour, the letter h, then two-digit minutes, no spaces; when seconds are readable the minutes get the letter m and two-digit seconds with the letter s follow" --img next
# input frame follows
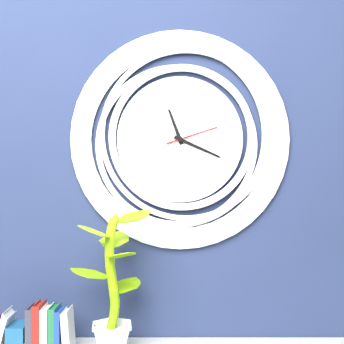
11h19m12s
